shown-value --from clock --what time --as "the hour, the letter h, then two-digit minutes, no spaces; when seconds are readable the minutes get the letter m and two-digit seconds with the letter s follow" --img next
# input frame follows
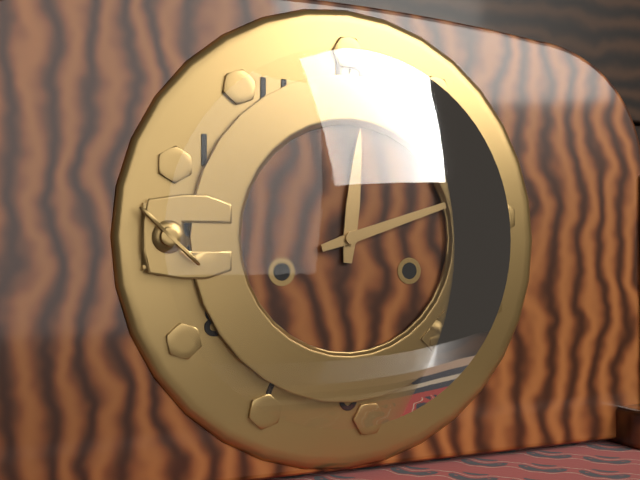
12h12
